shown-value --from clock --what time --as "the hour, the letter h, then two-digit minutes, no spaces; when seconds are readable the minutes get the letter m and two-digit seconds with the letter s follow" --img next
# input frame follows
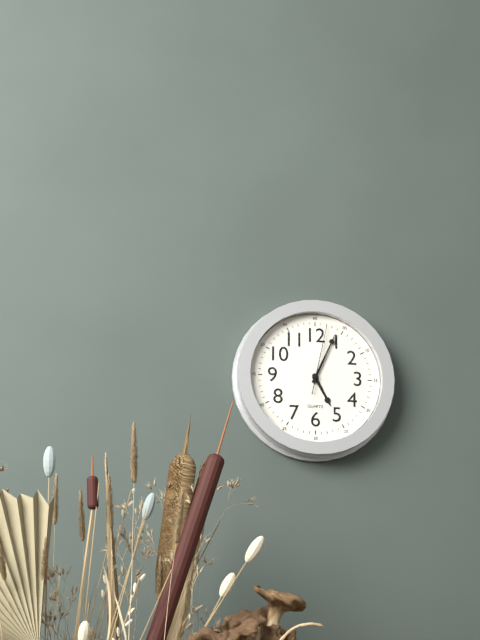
5h04m02s
